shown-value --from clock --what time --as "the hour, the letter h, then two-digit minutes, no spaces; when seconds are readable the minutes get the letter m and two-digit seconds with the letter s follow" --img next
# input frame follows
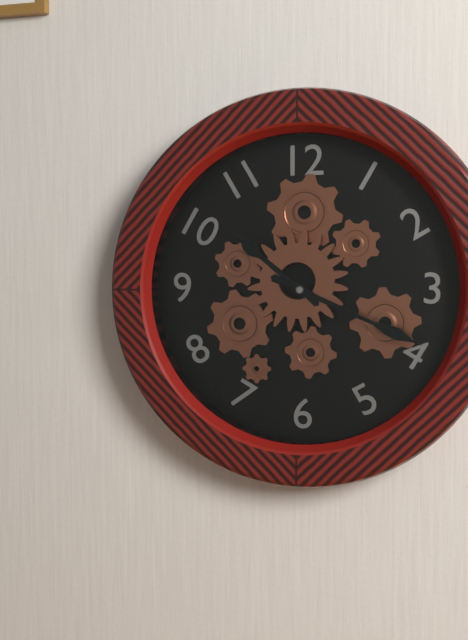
10h19
